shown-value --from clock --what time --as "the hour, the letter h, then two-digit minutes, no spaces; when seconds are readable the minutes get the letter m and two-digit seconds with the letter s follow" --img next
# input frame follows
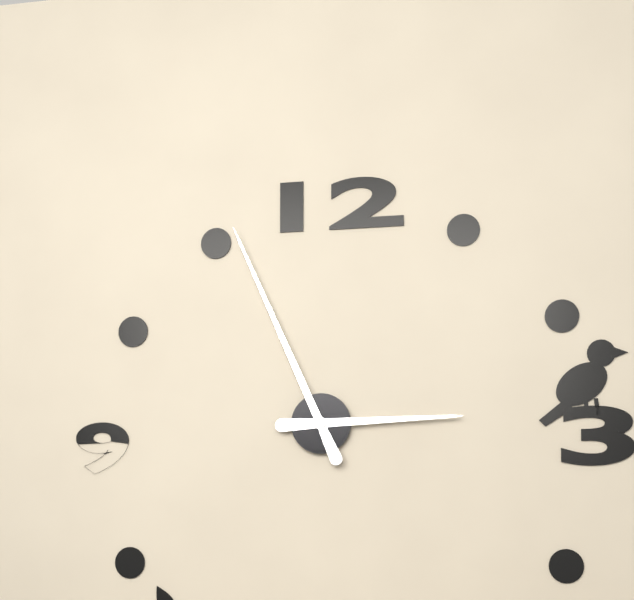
2h56
